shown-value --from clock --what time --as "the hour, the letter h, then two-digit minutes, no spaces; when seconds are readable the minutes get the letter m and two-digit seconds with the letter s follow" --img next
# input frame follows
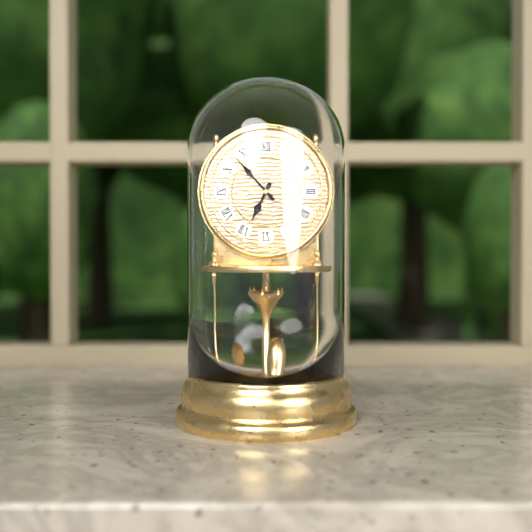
6h53
